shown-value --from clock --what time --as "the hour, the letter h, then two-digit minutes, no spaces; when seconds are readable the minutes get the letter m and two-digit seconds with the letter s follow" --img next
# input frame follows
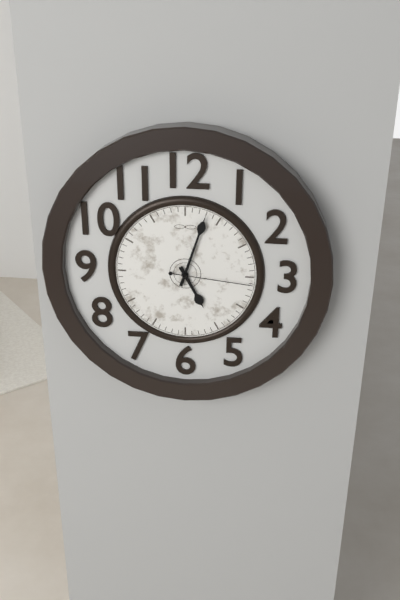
5h03m16s
